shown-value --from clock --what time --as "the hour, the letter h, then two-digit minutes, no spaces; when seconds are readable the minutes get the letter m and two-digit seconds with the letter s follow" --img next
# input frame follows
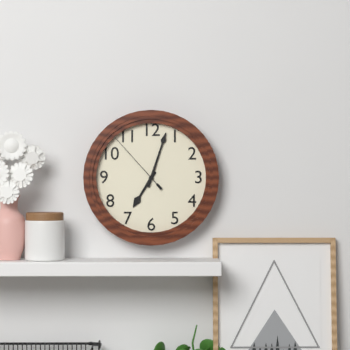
7h03m53s
